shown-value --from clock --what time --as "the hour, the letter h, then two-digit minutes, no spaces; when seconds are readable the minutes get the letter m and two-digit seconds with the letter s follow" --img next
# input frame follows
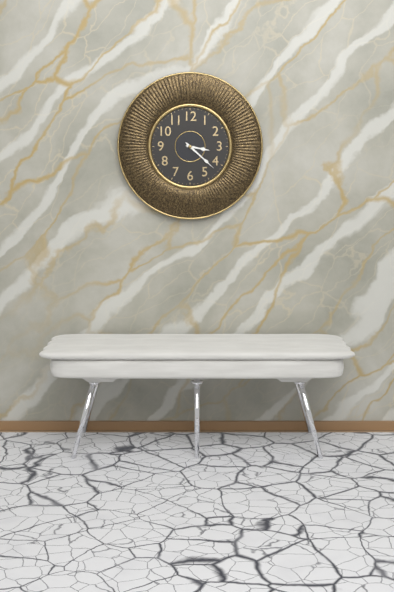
3h22
